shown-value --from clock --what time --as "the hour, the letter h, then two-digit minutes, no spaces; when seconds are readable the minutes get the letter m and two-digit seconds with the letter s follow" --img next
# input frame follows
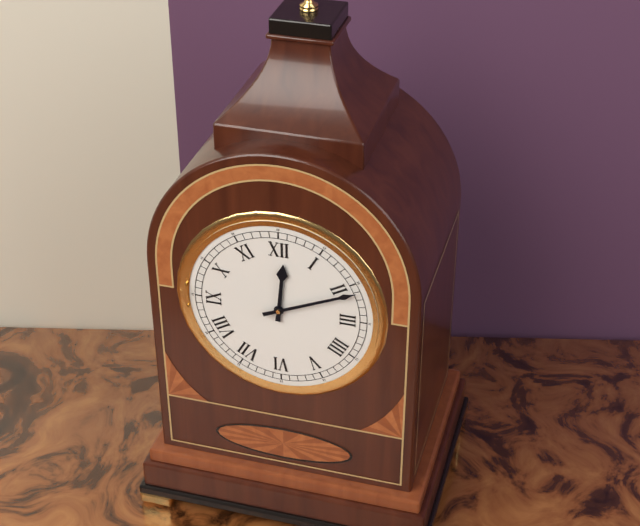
12h11
